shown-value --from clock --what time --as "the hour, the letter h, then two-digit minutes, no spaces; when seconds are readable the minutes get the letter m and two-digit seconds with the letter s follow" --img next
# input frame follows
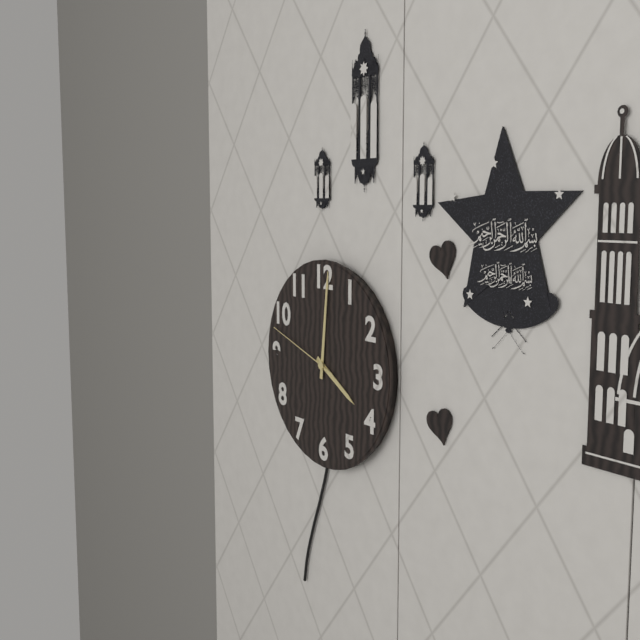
4h01m48s
